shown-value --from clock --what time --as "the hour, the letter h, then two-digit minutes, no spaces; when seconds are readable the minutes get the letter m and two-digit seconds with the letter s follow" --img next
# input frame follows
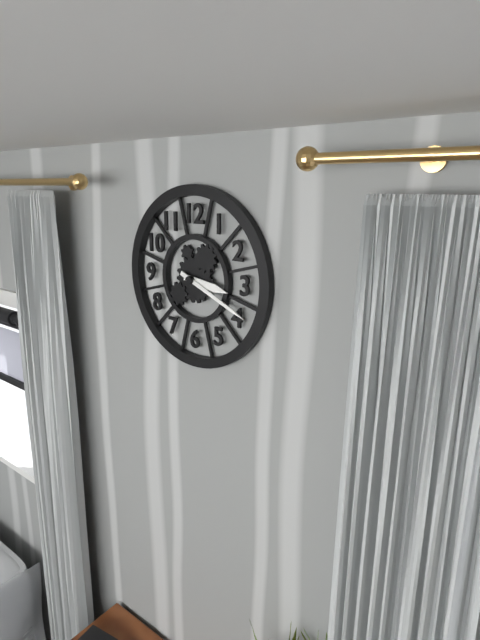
3h19
